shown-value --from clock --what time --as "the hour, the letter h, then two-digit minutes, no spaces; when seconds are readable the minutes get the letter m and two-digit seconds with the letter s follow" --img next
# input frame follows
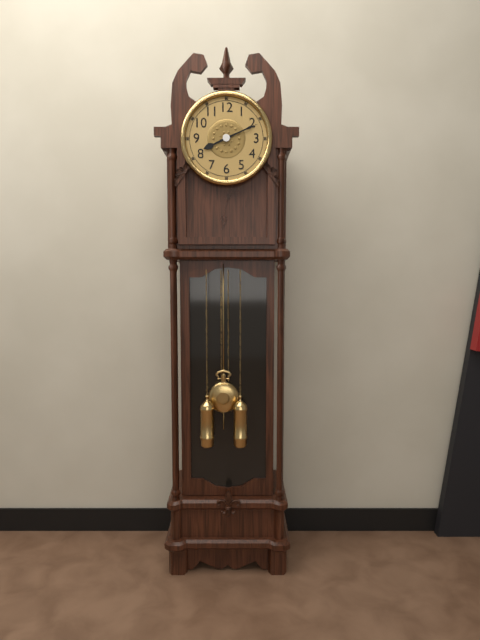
8h11
